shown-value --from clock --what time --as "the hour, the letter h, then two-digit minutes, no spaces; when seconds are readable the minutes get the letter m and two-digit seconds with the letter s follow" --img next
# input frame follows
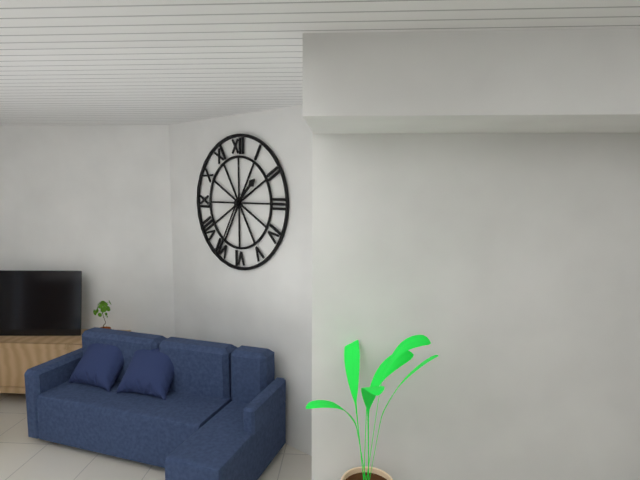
1h35
